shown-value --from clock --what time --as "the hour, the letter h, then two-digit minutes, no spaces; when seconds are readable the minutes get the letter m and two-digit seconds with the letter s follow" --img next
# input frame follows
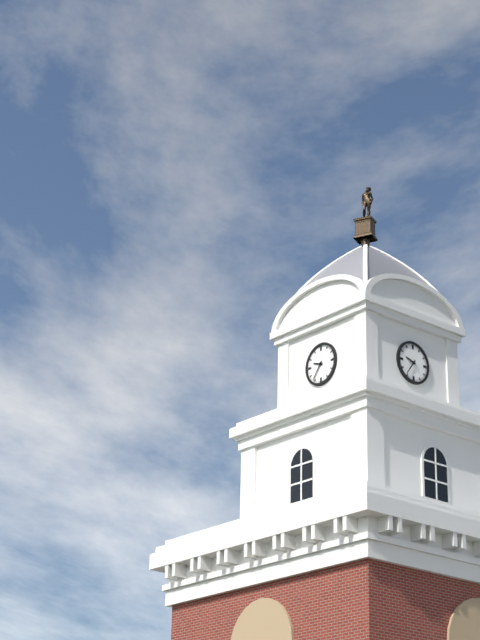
9h36
